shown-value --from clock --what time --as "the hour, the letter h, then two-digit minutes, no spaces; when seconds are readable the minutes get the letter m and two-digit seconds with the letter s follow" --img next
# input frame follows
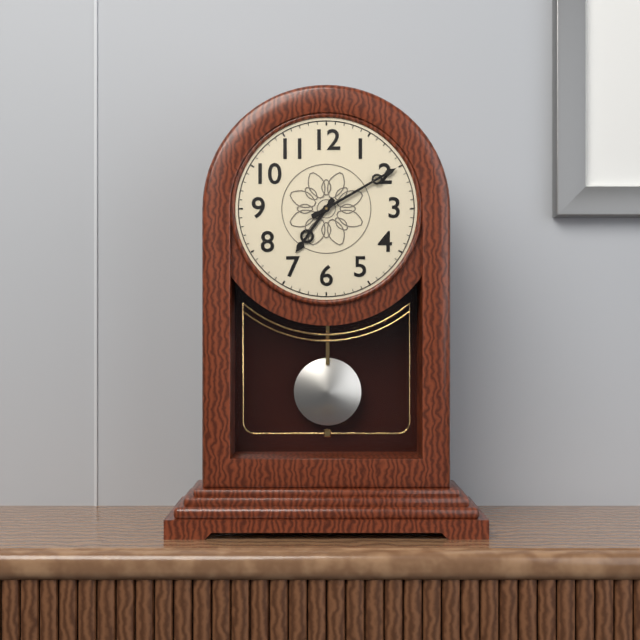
7h10
